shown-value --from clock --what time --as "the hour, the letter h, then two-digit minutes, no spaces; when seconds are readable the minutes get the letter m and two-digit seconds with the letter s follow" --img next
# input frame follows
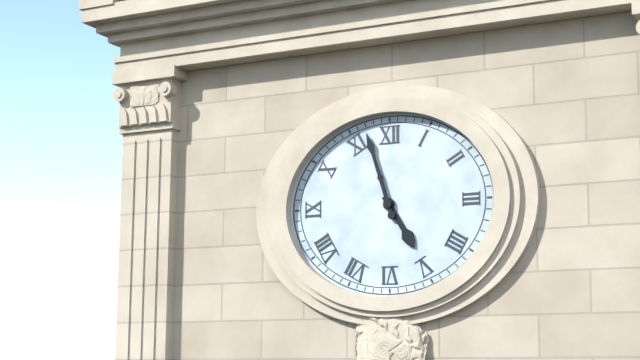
4h57
